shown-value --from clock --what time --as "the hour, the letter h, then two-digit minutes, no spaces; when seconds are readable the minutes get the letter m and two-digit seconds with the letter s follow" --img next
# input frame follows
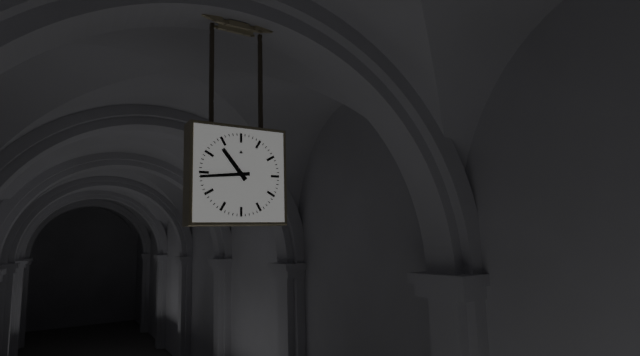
10h44
